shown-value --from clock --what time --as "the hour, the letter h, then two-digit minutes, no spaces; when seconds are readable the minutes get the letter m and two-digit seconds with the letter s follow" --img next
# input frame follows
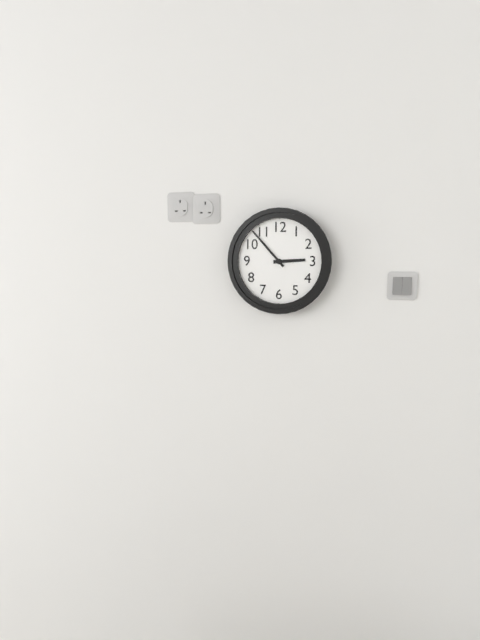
2h53
